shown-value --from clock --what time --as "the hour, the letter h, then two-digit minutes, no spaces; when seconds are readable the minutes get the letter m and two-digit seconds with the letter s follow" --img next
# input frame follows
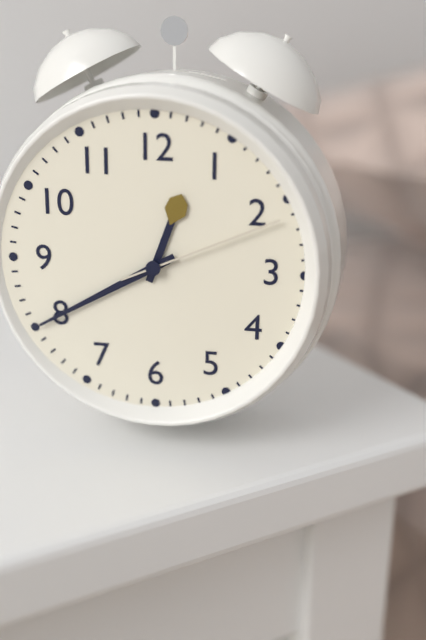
12h40m11s
